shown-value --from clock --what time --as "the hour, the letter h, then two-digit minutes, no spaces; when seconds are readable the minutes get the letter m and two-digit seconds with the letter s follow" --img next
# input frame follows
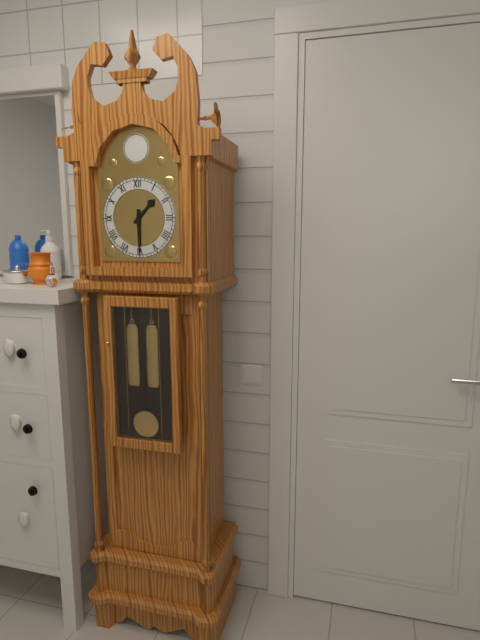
1h30
